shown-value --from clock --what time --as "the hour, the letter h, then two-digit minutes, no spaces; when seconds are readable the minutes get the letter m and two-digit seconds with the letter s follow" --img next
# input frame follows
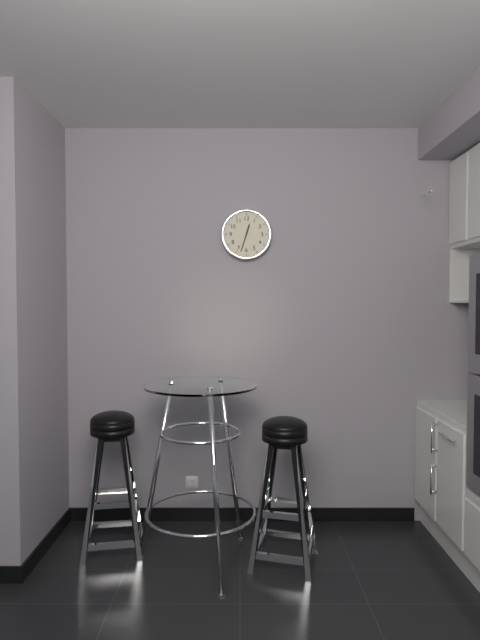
12h33
